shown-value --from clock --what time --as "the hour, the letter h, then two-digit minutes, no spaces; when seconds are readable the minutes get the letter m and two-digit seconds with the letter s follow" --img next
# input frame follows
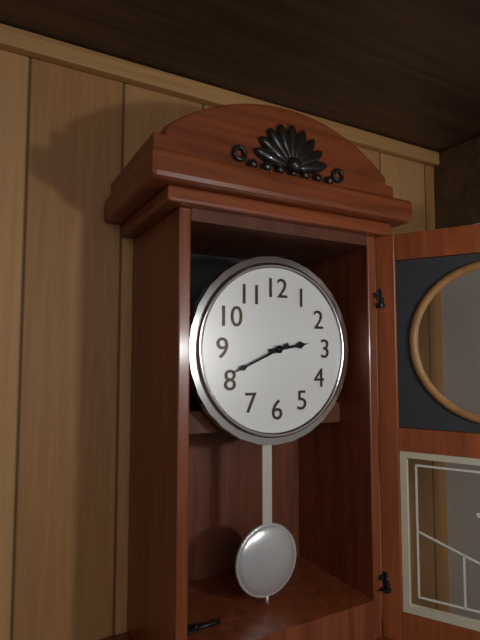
2h41
